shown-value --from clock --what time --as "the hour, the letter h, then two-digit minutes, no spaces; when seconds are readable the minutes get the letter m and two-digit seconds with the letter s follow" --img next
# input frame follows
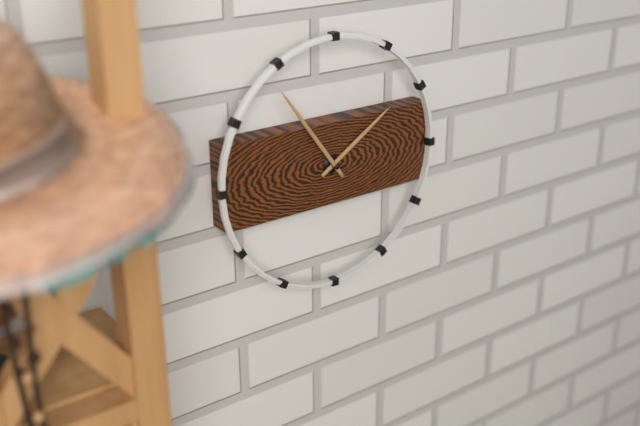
1h54
